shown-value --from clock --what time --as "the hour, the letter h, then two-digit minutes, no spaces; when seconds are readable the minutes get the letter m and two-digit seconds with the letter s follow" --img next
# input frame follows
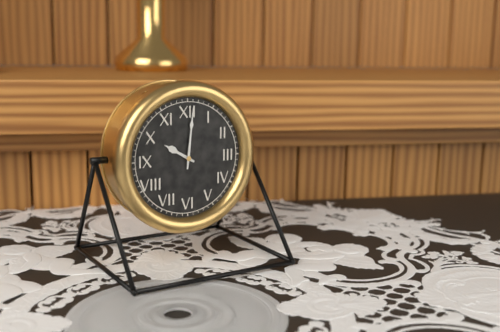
10h01
